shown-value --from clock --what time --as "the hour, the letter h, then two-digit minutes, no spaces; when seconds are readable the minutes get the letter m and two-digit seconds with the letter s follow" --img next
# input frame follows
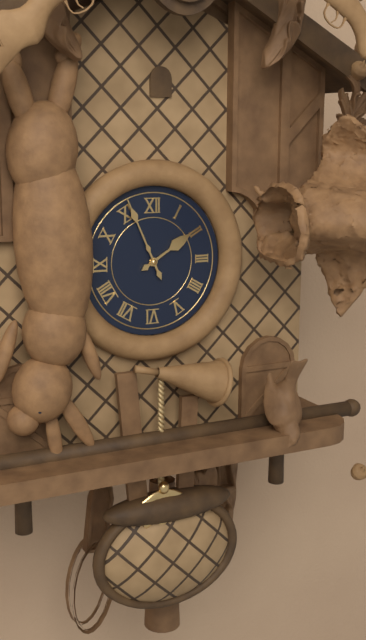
1h56
